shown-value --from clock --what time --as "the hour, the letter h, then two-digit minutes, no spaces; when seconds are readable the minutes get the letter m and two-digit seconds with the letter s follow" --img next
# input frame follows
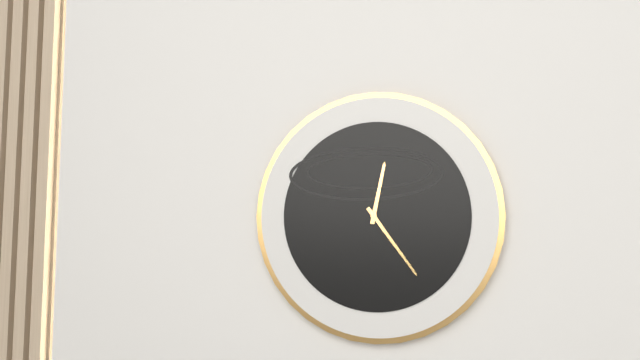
12h24
